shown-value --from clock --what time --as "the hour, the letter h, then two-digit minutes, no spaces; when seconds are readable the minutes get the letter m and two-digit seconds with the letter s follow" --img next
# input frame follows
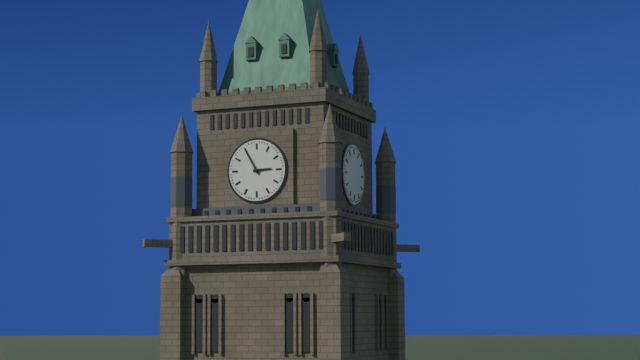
2h55
